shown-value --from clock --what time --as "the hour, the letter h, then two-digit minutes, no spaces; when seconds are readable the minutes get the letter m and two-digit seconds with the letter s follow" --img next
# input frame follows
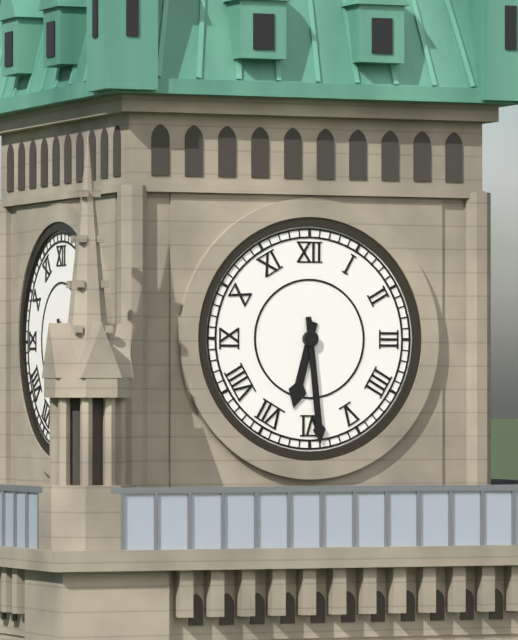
6h29
